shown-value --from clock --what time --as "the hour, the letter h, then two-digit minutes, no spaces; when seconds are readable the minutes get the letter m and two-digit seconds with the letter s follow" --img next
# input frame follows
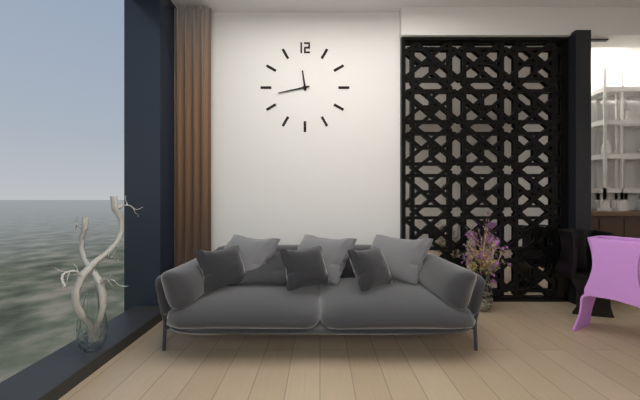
11h43
